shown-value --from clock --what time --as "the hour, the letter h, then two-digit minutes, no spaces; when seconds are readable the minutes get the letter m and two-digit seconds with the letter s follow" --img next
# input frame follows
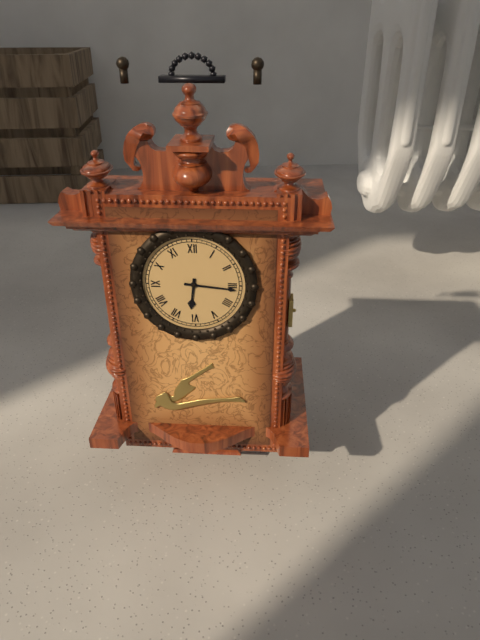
6h16
